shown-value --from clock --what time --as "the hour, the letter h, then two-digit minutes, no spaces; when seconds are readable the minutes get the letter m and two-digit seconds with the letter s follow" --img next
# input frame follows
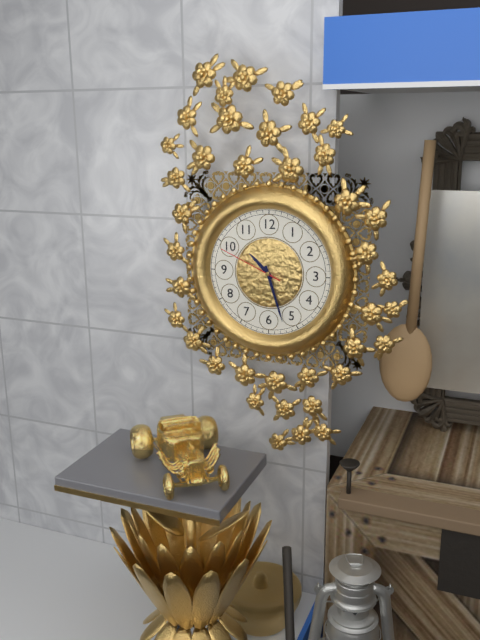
10h27m49s
